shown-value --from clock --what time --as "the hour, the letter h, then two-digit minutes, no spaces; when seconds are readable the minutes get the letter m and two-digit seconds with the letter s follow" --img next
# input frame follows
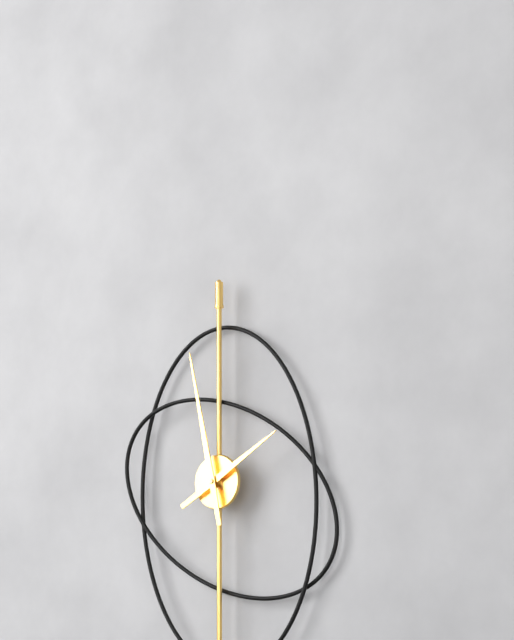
1h58
